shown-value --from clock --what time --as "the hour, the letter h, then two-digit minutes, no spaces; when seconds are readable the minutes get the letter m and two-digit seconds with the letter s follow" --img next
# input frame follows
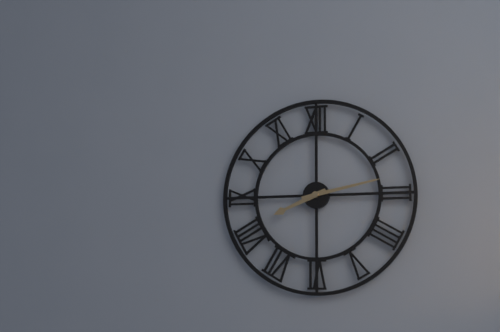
8h13
